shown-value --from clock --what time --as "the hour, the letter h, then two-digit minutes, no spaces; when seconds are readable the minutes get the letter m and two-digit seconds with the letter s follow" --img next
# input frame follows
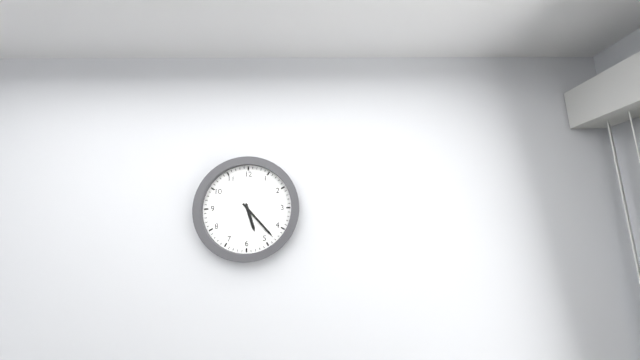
5h23
